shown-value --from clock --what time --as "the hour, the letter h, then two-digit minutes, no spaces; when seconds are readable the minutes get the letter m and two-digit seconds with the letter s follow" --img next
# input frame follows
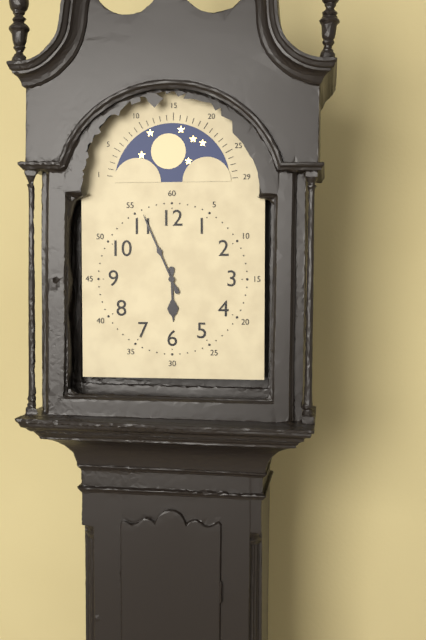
5h56
